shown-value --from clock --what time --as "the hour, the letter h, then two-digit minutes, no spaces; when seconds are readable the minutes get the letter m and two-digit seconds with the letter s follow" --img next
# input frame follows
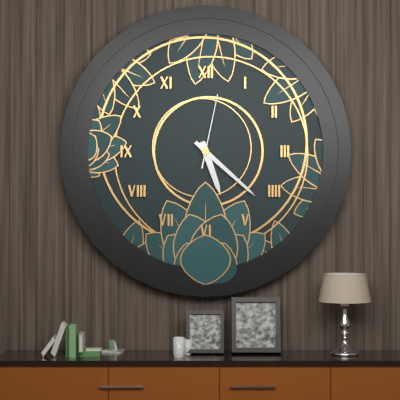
5h22m02s
